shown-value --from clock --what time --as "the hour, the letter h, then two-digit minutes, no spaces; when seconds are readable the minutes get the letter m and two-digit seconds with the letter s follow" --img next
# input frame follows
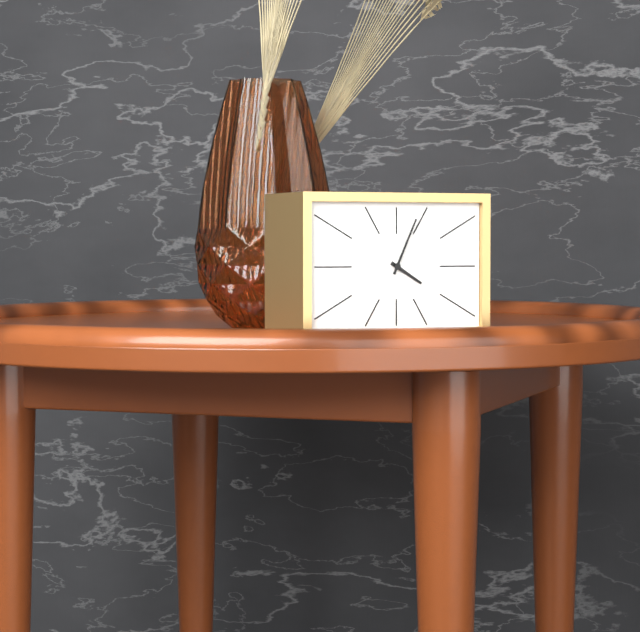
4h04
